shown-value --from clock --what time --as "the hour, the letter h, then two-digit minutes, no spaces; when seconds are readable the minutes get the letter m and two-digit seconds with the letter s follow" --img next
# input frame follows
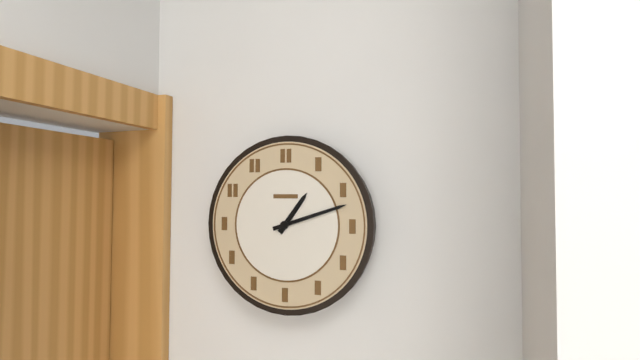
1h12
